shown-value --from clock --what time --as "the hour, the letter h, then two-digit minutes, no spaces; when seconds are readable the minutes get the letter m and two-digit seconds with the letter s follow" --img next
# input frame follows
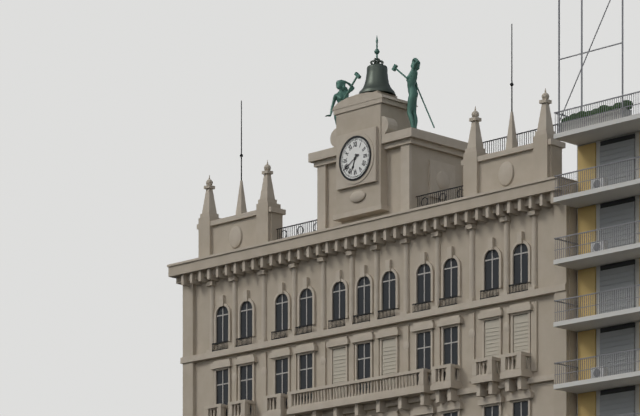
6h40
